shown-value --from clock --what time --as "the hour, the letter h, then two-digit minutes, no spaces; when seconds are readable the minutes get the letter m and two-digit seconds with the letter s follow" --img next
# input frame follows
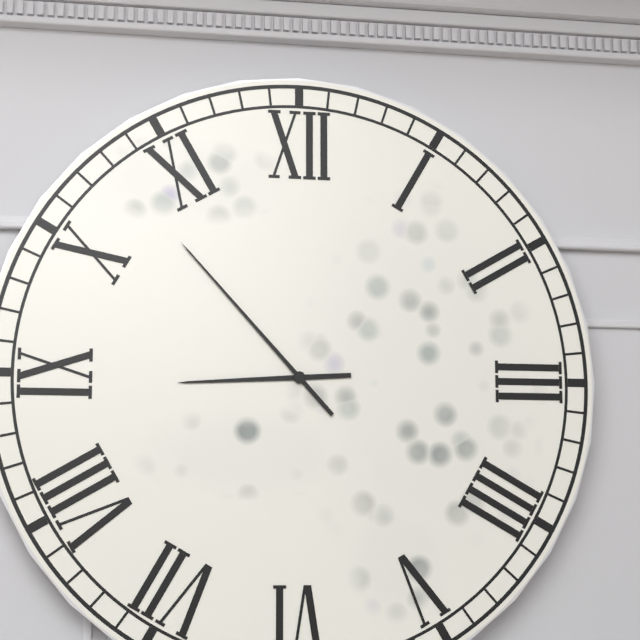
8h53
